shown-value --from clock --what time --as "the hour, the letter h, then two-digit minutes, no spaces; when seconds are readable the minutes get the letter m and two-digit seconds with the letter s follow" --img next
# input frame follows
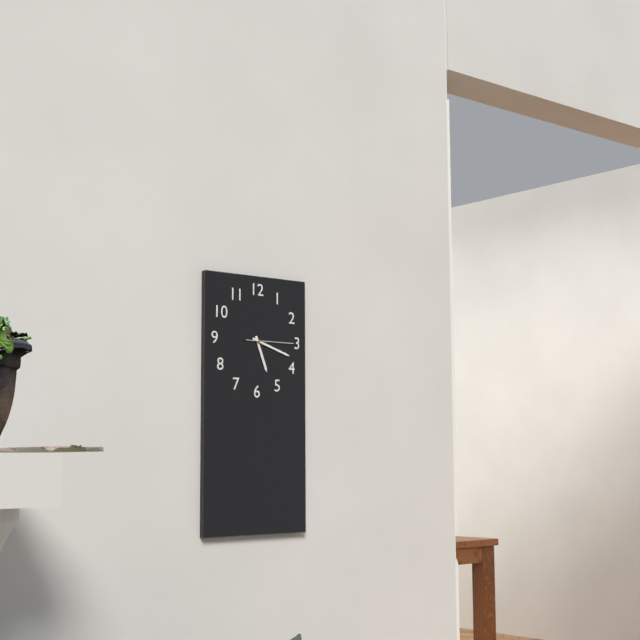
5h18
